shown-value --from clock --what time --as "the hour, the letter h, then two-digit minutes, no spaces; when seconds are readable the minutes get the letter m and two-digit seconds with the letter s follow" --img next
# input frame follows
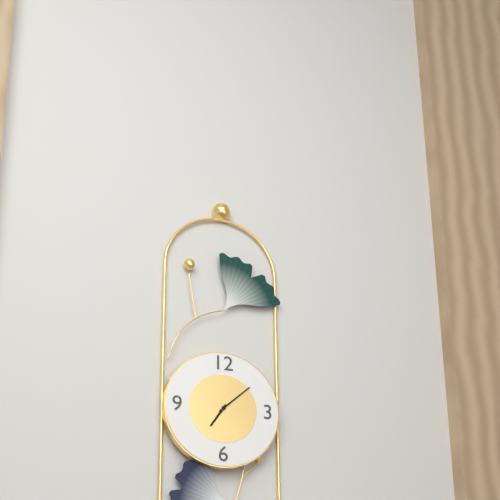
7h08
